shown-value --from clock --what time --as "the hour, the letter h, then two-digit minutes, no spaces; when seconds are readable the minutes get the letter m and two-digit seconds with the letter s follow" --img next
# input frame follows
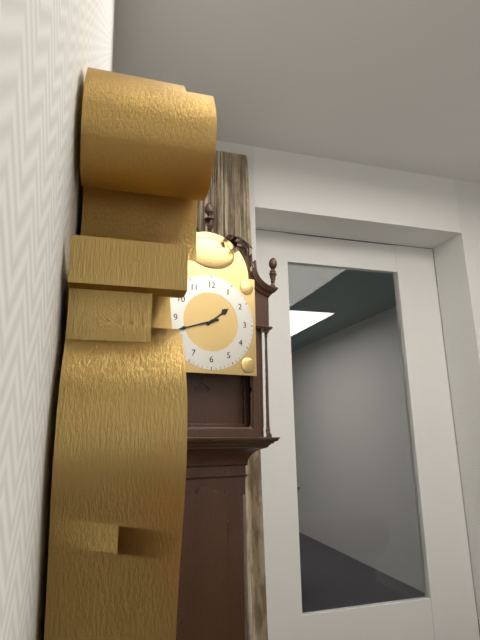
1h42
